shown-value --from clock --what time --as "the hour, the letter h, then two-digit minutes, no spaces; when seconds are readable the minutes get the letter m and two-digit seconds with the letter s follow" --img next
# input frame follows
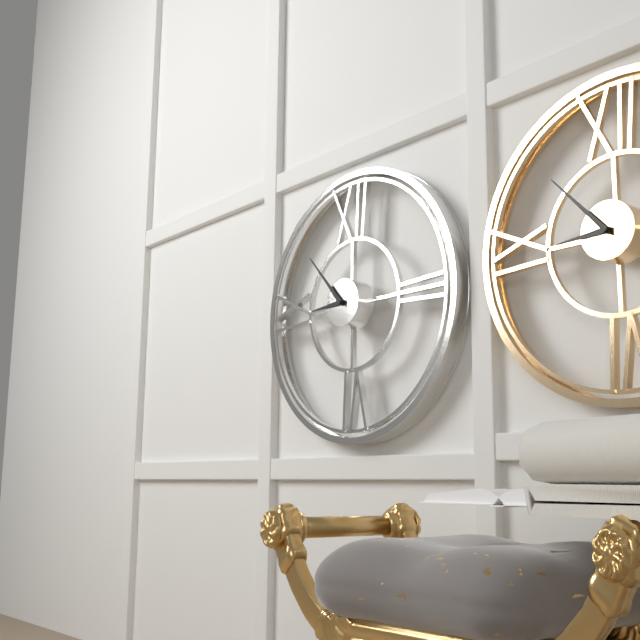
8h53
